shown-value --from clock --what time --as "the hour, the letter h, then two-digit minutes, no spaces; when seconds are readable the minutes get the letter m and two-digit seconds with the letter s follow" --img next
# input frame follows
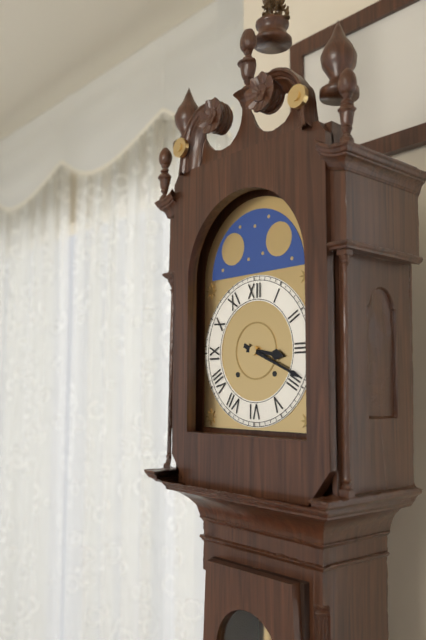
3h19
